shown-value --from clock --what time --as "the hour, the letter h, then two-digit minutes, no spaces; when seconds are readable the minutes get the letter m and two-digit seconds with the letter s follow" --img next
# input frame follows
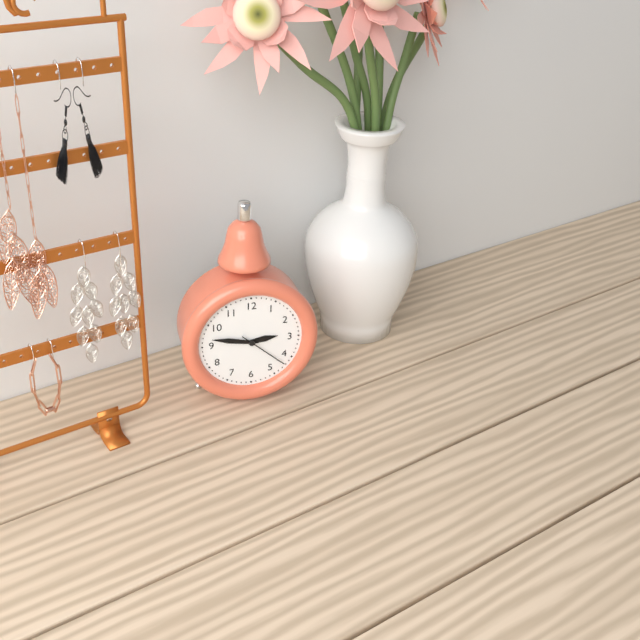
2h47
